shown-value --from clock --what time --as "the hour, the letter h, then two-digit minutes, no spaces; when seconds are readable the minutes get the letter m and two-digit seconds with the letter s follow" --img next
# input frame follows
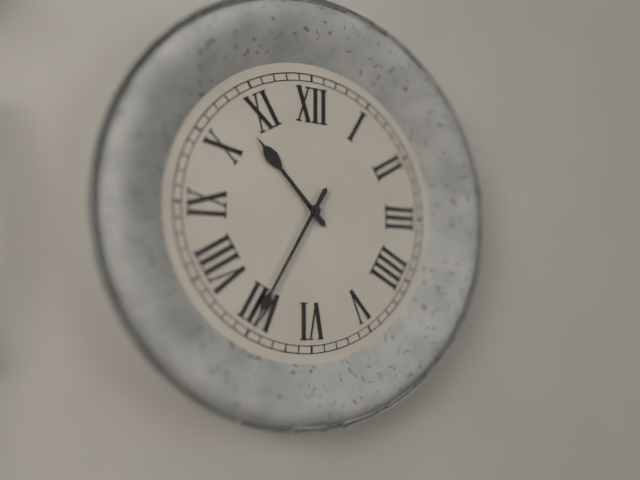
10h35
